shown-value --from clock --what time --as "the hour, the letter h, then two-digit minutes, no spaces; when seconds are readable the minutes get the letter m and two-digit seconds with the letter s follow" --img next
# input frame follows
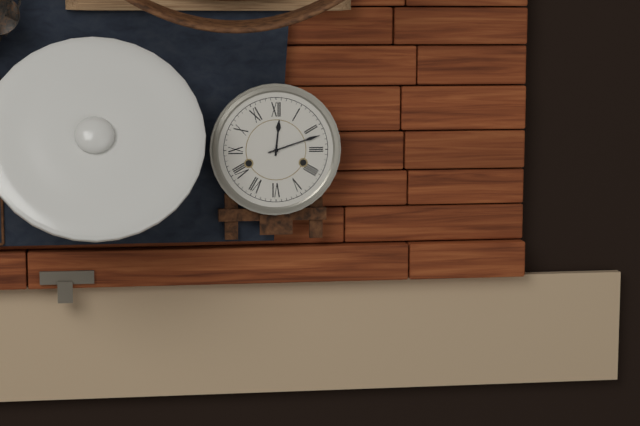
12h12
